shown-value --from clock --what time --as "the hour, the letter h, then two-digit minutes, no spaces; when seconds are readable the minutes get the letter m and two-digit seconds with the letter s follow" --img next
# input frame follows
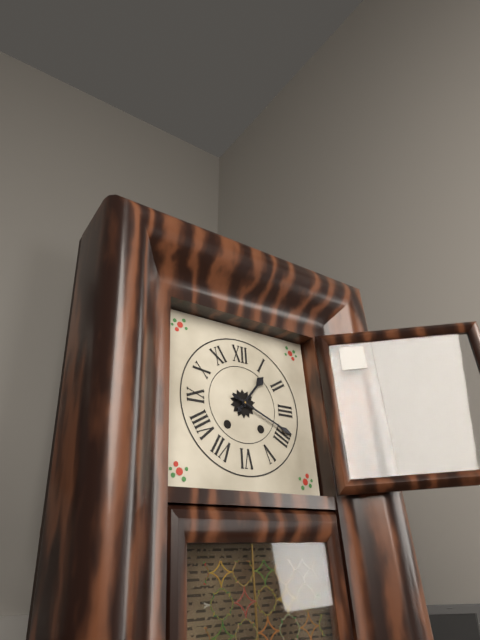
1h19
